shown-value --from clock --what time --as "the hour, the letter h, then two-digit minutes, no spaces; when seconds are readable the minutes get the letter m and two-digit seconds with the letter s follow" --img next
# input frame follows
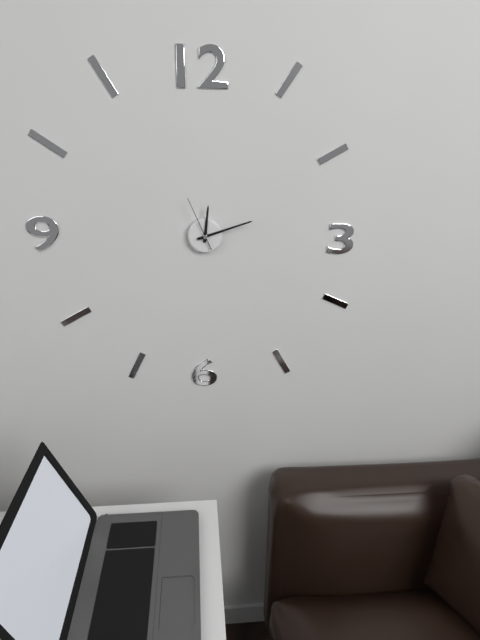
12h12m56s
